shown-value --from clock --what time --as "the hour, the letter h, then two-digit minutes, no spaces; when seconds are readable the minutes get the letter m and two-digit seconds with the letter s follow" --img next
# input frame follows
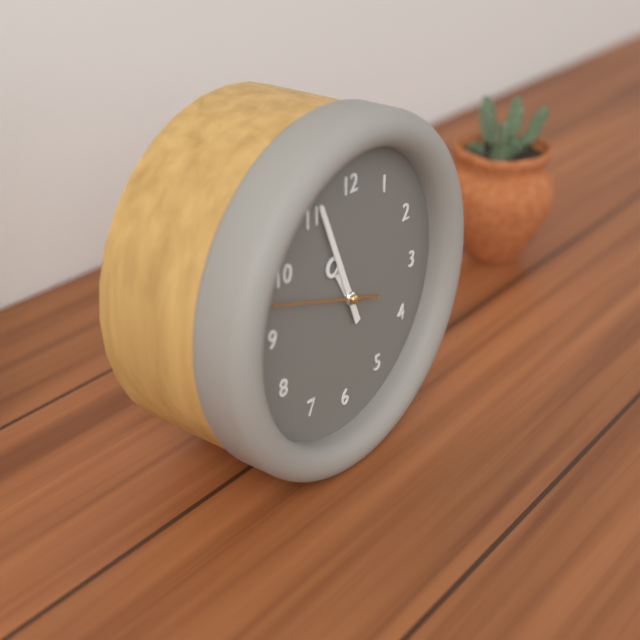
10h56
